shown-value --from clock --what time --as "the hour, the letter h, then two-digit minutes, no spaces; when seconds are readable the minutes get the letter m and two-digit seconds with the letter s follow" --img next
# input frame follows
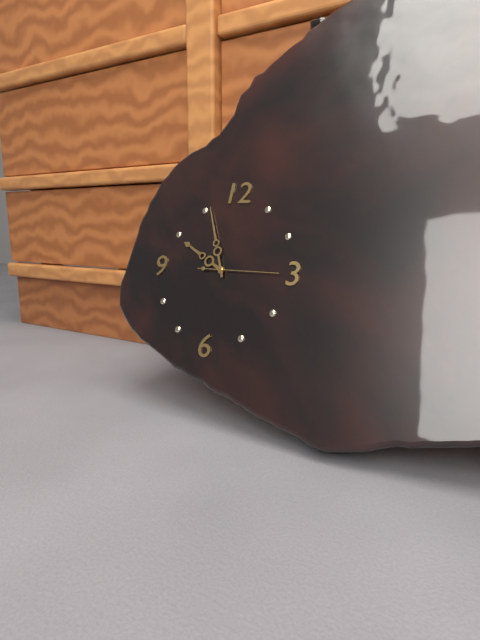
9h56m15s
